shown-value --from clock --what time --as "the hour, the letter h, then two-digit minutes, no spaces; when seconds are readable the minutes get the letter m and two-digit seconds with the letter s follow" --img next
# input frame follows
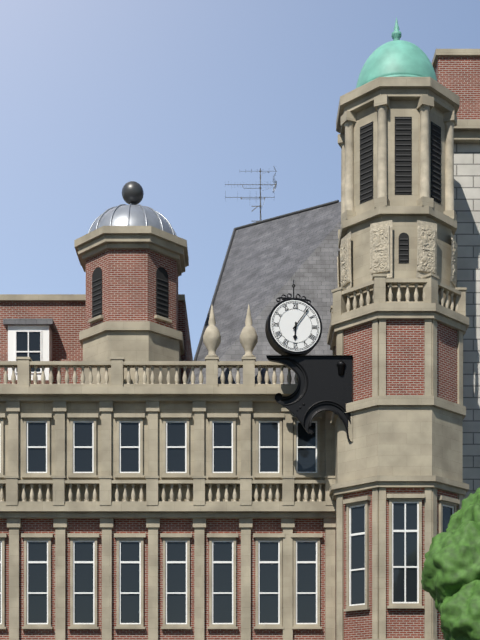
6h06
